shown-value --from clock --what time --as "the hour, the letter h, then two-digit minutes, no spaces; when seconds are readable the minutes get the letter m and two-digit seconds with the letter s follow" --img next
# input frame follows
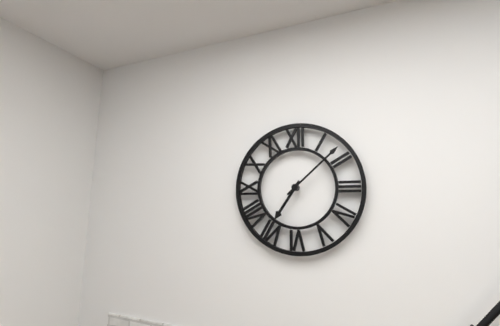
7h08
